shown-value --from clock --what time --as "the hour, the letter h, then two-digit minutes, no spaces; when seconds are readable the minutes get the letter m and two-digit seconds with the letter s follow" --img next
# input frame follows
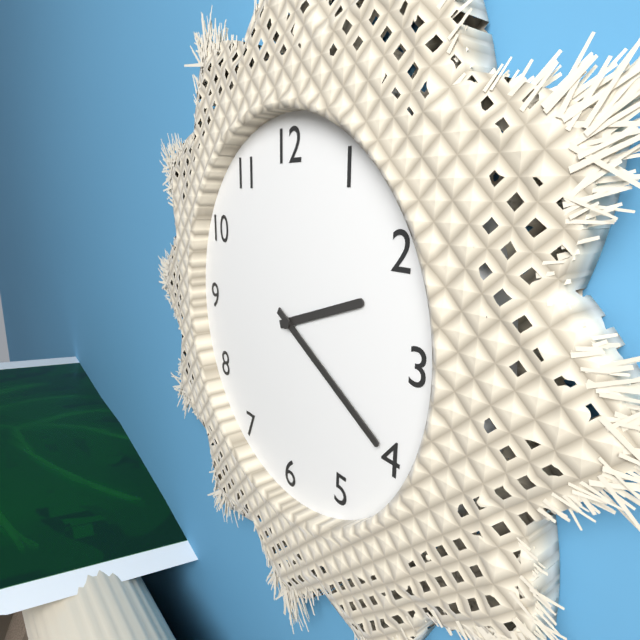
2h20
